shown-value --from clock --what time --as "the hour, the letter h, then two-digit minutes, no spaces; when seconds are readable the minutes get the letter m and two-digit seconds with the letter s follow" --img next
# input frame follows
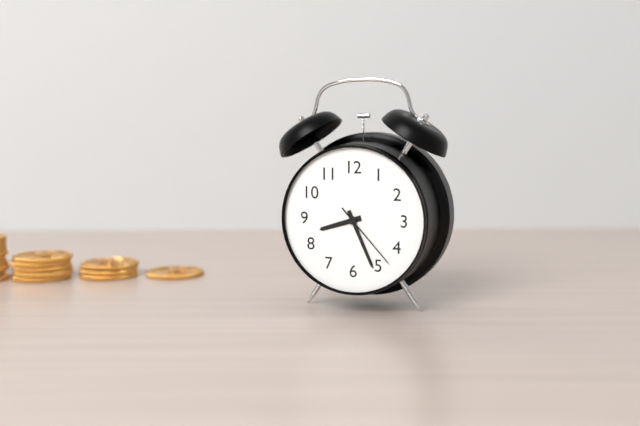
8h26m23s
